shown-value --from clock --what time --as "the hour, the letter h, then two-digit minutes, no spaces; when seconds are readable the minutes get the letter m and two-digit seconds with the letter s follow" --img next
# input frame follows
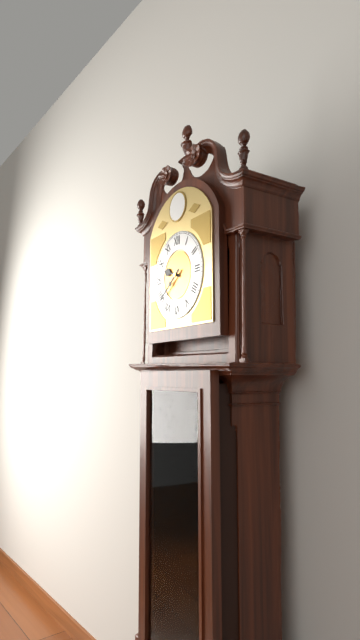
9h39
